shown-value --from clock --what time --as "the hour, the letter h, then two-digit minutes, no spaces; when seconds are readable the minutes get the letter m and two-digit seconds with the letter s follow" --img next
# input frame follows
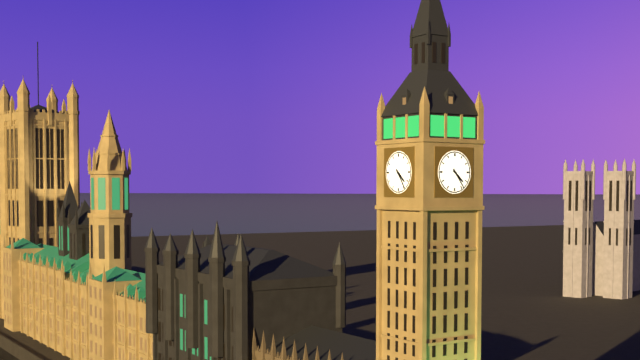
4h24
